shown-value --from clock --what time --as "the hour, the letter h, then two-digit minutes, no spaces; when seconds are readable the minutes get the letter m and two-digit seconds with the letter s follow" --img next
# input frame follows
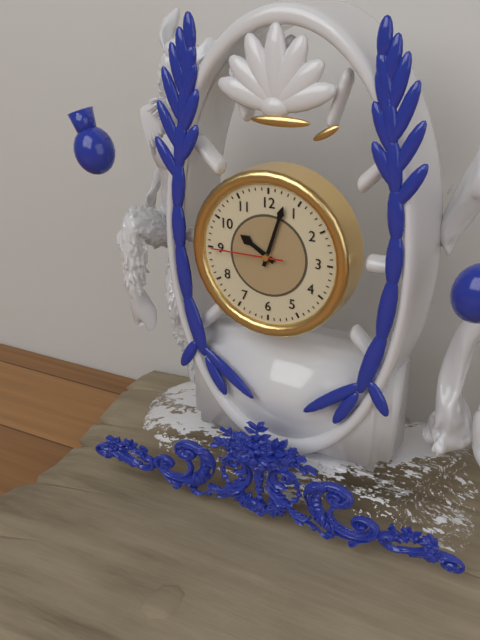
10h03m45s
